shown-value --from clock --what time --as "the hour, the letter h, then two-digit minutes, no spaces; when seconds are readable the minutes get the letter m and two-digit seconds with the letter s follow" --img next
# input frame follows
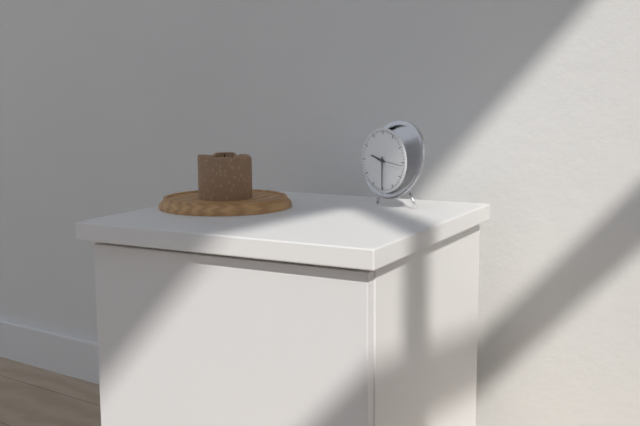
9h30
